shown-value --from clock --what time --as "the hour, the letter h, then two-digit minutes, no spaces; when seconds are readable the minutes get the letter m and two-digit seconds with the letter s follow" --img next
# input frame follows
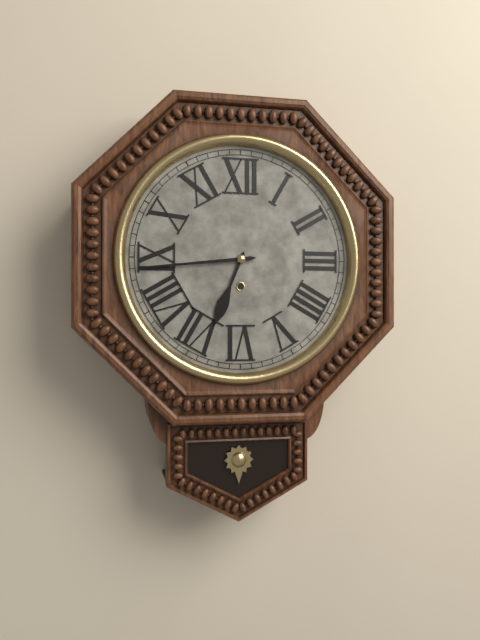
6h44
